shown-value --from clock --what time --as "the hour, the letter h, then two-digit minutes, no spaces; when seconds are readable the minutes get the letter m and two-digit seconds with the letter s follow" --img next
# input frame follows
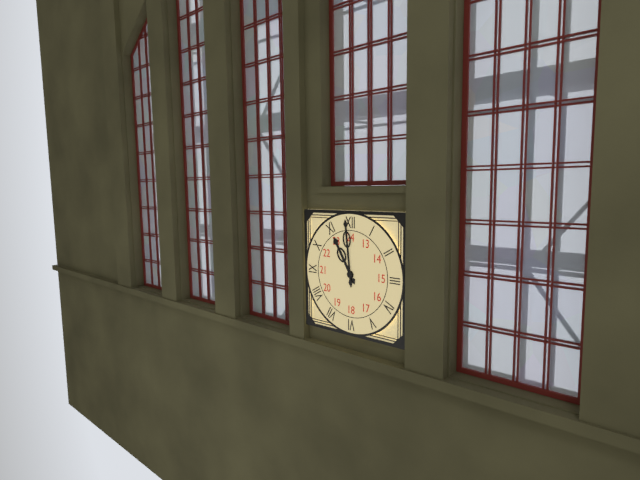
10h59
